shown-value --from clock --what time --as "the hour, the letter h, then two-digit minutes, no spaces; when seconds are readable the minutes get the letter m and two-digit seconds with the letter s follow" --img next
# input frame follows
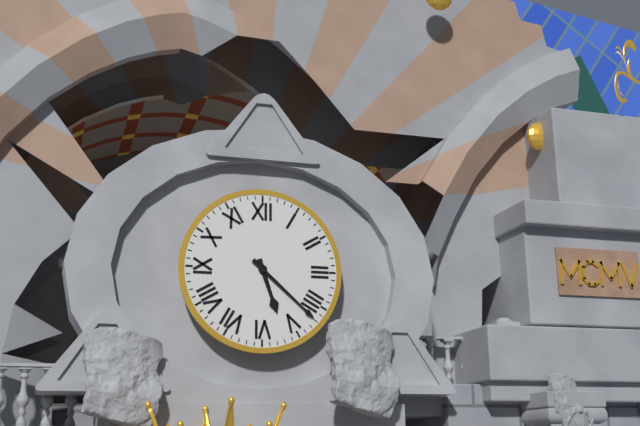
5h22
